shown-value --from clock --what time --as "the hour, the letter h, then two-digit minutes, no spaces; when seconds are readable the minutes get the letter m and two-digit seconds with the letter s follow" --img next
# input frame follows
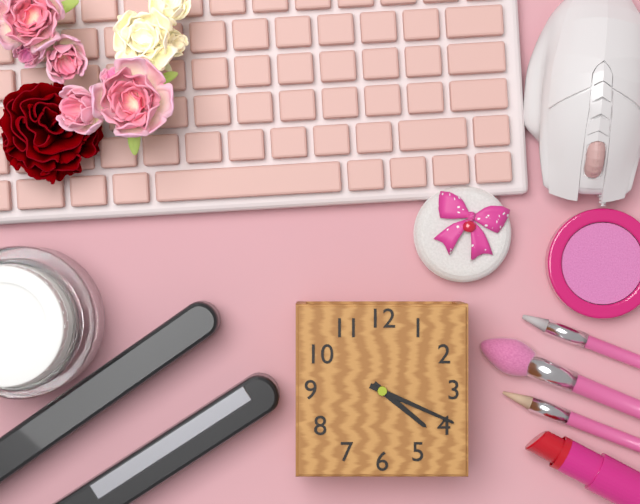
4h19
